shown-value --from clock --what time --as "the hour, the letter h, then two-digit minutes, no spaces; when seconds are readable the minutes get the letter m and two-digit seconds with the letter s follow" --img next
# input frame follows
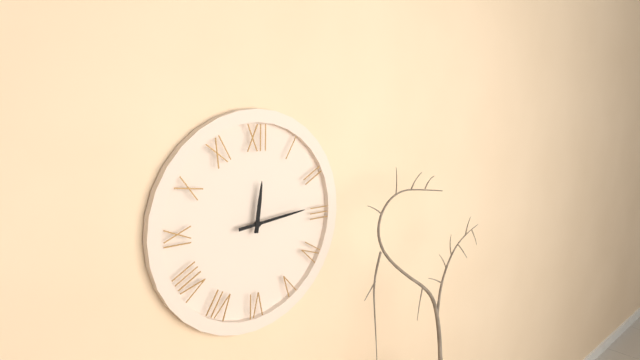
12h14
